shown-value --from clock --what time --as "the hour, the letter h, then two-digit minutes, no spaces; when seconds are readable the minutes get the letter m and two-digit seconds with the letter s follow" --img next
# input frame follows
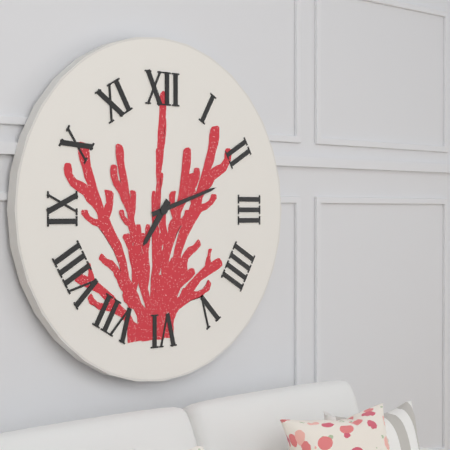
7h12
